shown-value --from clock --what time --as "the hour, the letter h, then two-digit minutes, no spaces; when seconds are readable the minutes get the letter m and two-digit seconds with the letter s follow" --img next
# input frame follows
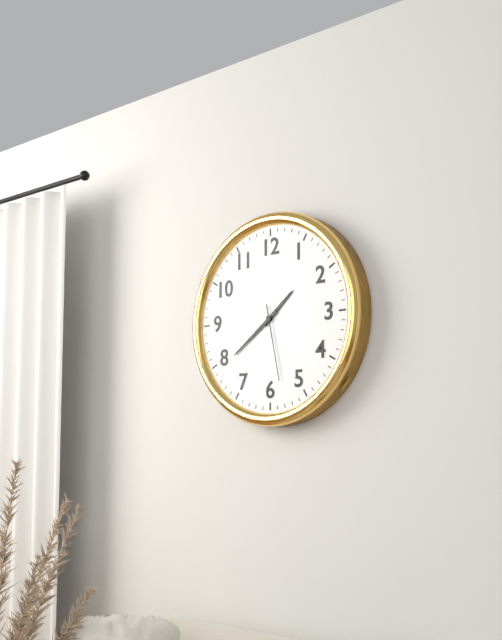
1h39m28s
